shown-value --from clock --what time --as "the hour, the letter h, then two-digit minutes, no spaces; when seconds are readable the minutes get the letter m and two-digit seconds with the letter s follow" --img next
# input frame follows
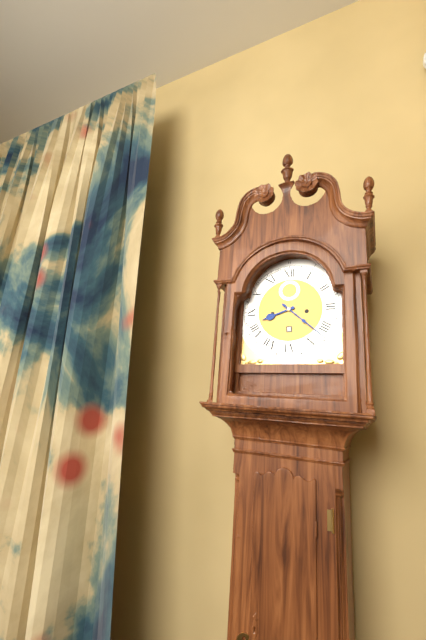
8h22
